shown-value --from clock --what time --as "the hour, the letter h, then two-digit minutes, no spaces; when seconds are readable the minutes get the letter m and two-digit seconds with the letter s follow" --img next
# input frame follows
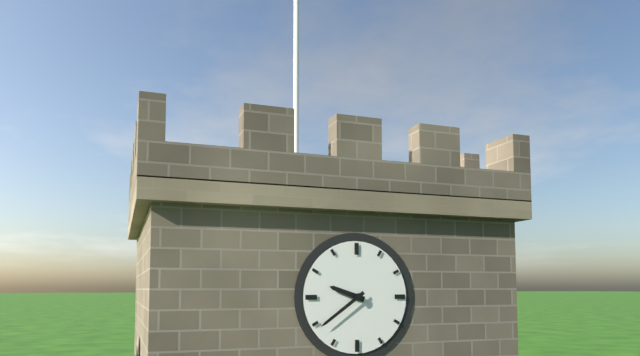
9h39
